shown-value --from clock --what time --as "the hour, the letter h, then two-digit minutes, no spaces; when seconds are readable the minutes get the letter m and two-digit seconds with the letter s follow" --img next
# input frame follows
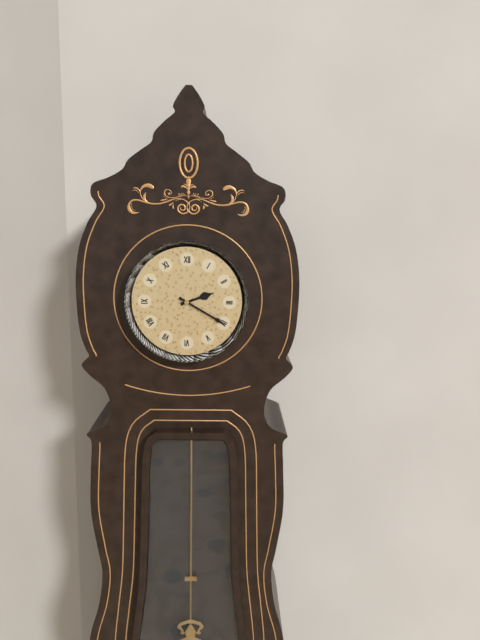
2h20
